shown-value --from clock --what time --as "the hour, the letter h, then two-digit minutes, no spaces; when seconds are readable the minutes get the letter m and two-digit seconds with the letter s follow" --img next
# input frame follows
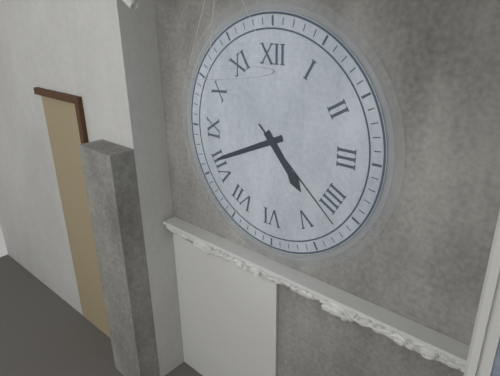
4h41m22s
